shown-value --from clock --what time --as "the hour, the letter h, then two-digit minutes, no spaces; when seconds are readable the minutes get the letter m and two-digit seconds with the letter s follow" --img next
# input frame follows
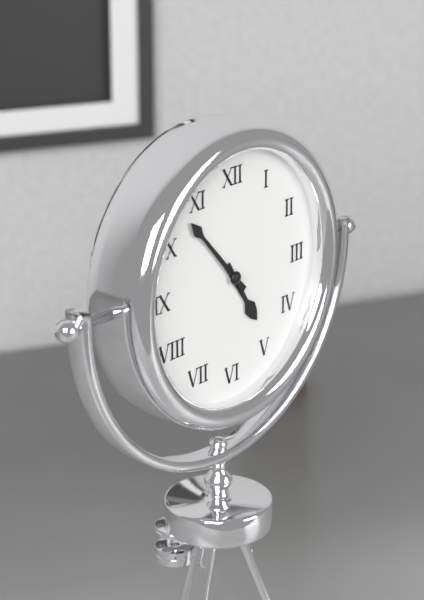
4h53
